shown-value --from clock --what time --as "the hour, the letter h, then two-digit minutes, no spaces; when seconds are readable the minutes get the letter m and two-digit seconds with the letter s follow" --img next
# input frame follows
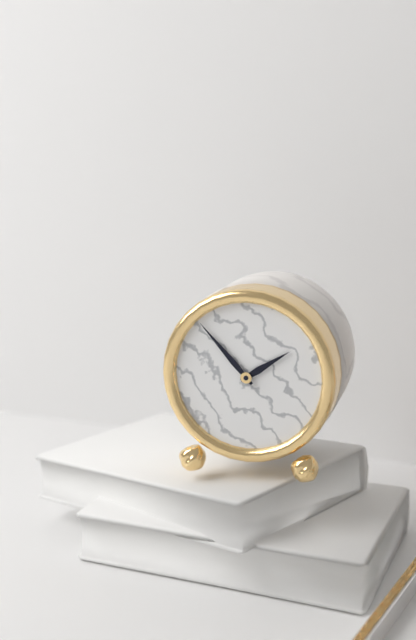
1h53
